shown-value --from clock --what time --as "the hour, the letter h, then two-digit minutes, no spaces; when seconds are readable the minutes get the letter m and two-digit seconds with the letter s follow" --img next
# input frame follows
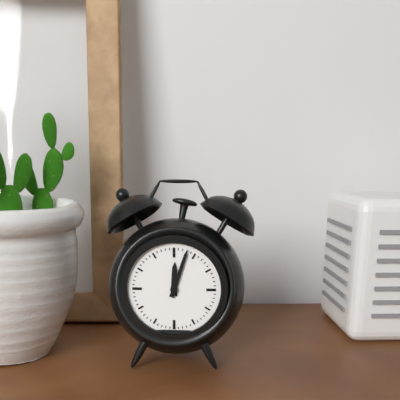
12h03
